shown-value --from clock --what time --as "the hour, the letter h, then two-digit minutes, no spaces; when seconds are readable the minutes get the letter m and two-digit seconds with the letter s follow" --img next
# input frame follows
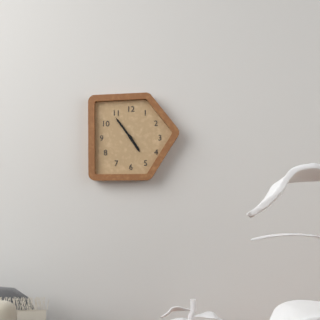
4h54
